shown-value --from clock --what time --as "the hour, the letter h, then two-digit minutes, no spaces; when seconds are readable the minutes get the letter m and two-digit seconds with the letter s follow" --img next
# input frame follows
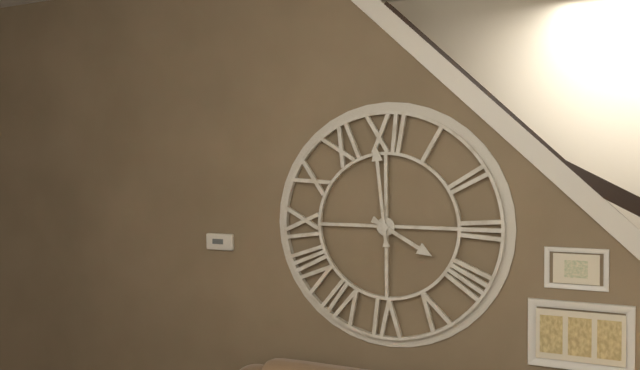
3h59
